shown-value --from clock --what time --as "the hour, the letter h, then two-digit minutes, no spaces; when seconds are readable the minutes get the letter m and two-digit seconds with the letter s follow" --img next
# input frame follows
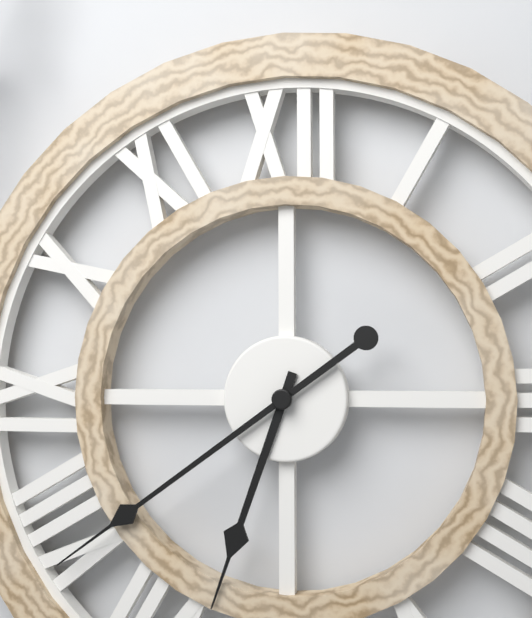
6h39
